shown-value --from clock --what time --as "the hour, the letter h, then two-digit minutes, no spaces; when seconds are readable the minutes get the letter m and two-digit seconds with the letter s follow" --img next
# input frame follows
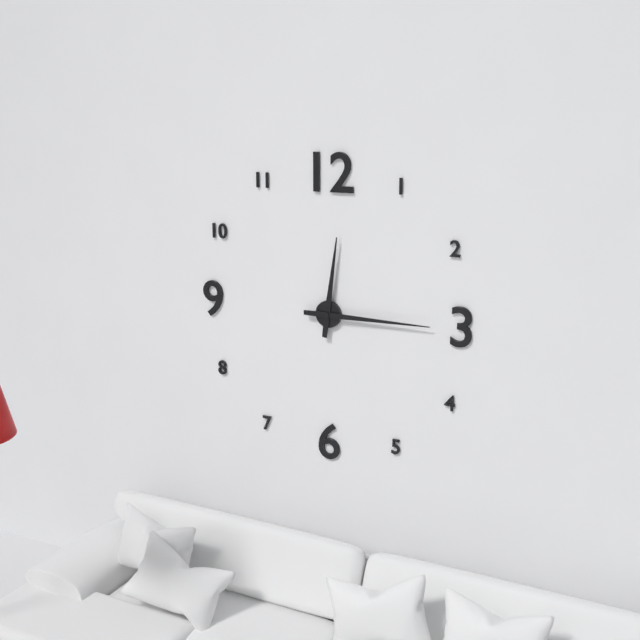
12h15
